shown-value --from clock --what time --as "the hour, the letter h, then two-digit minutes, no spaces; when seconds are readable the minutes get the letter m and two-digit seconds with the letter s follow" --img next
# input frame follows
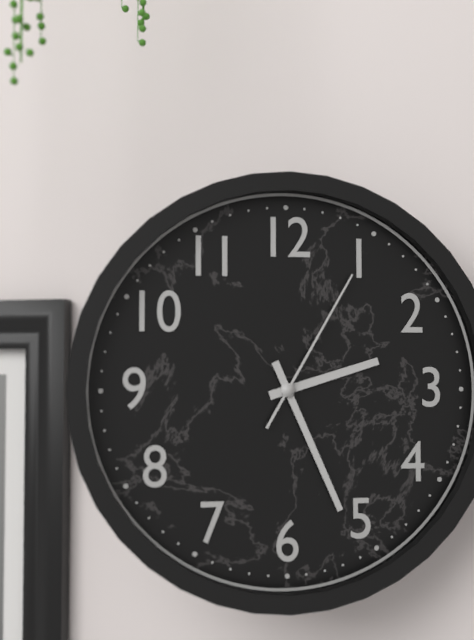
2h26m05s
